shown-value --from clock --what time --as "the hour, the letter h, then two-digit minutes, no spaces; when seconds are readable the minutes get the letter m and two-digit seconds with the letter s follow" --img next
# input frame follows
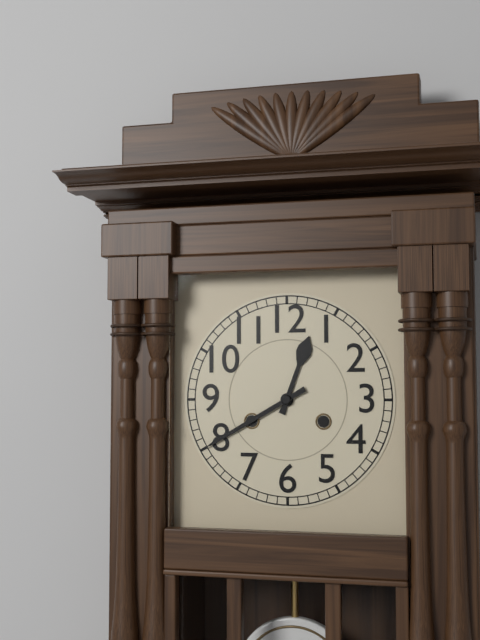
12h40
